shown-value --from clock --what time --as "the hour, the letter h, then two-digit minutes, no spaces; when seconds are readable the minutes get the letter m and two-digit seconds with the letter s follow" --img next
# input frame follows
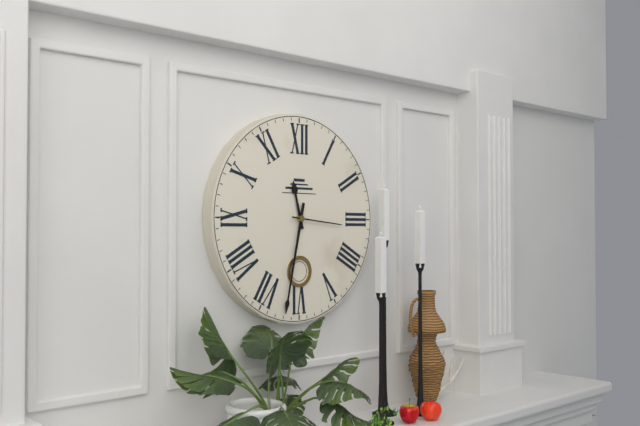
11h32m16s
